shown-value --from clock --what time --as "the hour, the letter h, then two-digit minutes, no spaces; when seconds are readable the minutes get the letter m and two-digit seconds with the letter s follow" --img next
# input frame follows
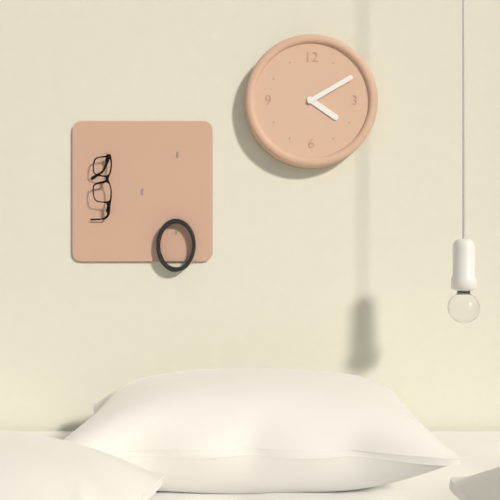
4h10
